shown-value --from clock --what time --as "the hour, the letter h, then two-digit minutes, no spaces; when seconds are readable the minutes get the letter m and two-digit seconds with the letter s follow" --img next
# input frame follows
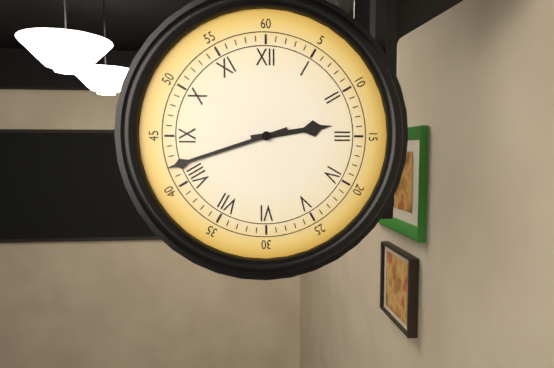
2h42
